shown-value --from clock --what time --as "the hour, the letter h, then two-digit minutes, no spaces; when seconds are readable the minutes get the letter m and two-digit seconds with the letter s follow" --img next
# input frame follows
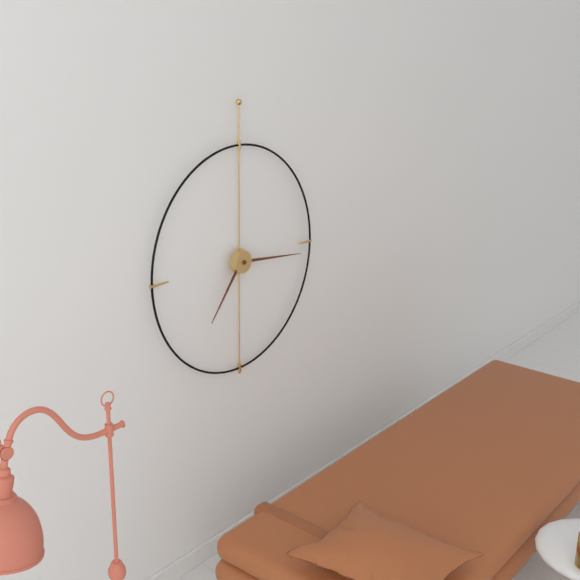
7h16
